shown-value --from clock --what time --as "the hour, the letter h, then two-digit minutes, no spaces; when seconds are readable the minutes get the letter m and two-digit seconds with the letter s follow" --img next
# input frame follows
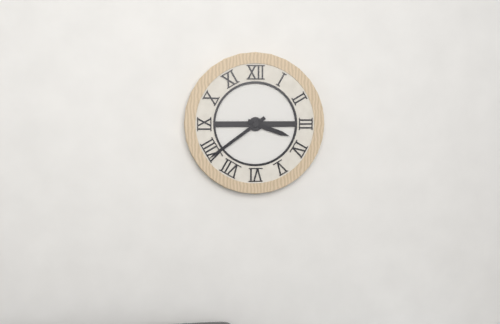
3h39
